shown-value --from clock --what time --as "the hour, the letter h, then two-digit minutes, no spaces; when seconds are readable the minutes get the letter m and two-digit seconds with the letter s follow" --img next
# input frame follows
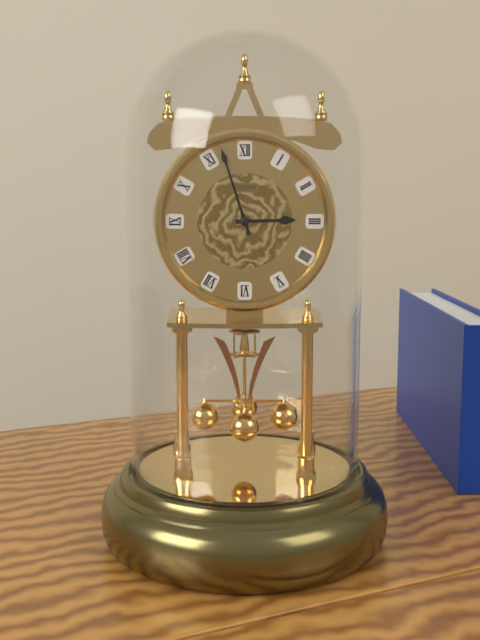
2h57
